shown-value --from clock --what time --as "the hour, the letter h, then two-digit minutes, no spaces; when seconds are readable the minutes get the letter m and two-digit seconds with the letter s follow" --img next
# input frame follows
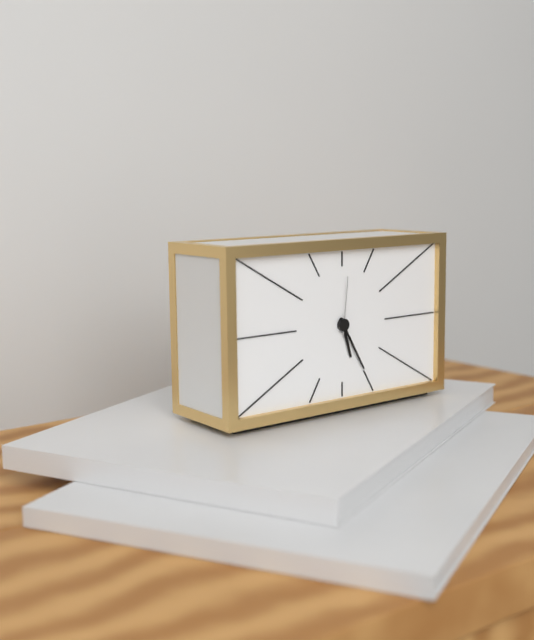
5h25m01s
